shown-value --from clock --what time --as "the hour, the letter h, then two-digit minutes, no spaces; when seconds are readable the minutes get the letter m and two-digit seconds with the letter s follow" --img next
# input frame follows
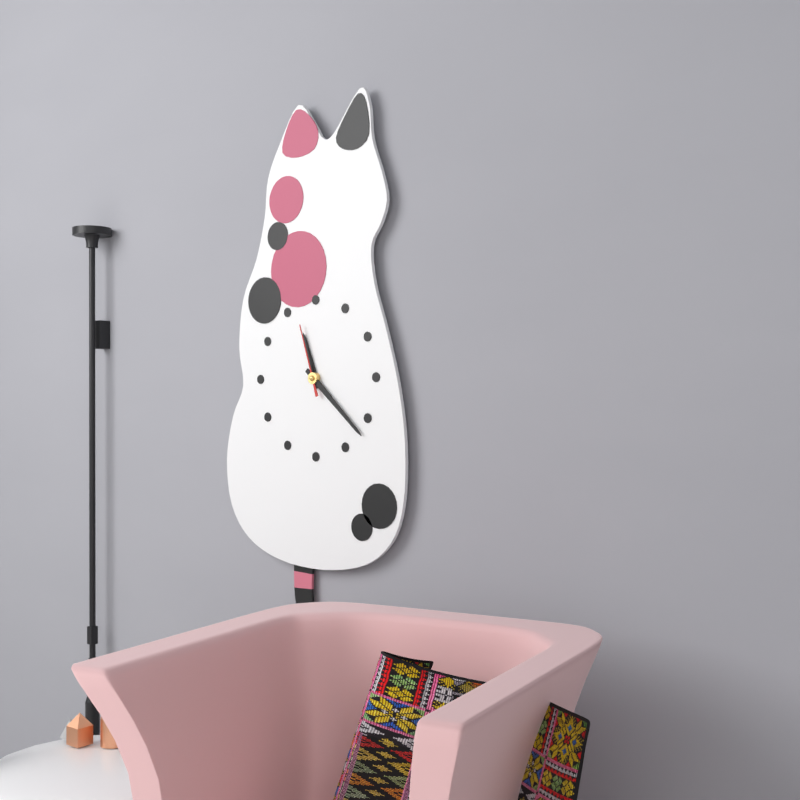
11h22m57s
